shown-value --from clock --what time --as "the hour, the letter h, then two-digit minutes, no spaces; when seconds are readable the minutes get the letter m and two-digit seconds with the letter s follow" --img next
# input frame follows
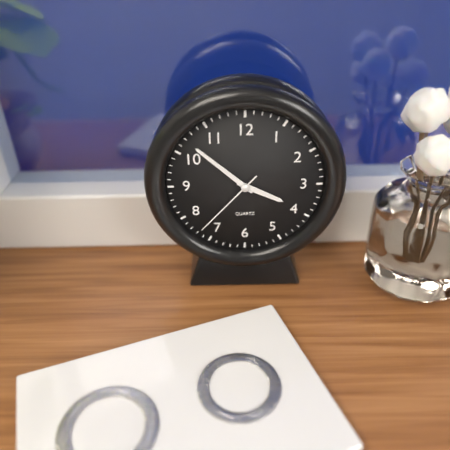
3h52m37s
